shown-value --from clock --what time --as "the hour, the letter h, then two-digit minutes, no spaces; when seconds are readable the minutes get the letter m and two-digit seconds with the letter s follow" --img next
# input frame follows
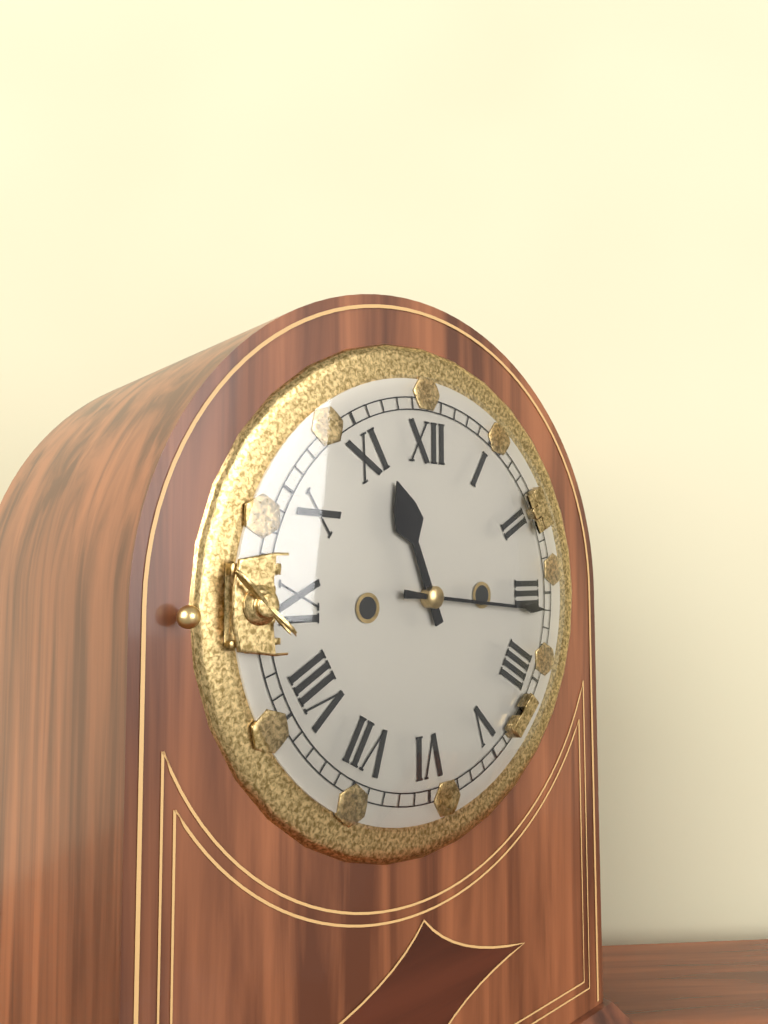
11h16
